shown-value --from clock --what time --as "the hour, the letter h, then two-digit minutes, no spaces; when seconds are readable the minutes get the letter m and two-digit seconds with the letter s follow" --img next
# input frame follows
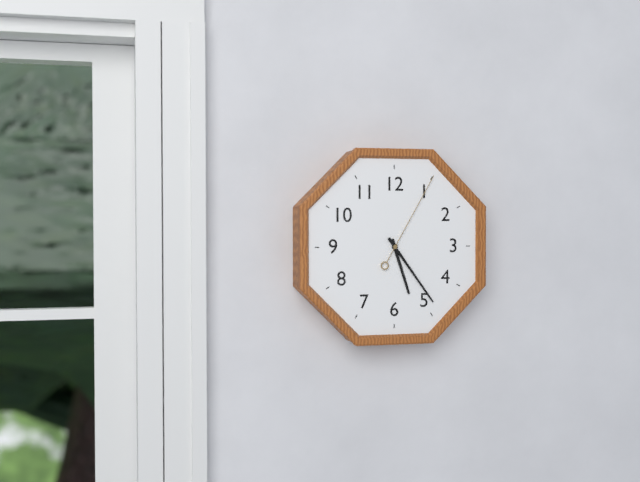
5h24m05s
